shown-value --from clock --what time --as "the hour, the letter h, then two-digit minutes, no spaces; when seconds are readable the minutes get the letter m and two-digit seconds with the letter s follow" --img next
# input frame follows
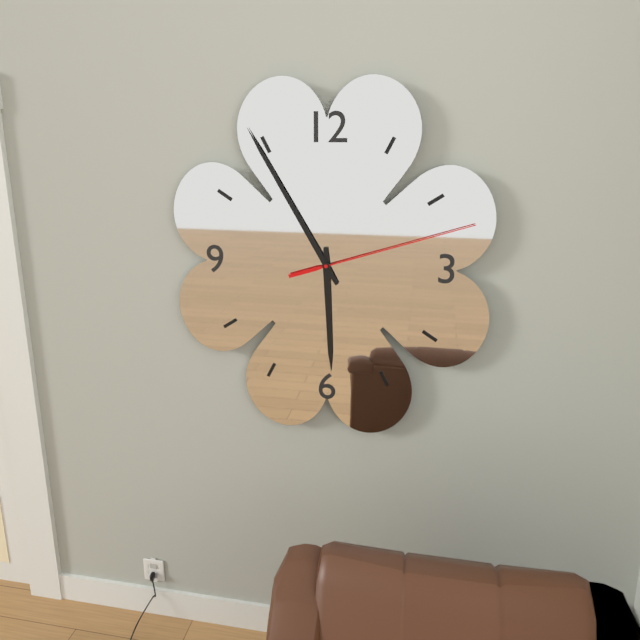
5h55m12s
